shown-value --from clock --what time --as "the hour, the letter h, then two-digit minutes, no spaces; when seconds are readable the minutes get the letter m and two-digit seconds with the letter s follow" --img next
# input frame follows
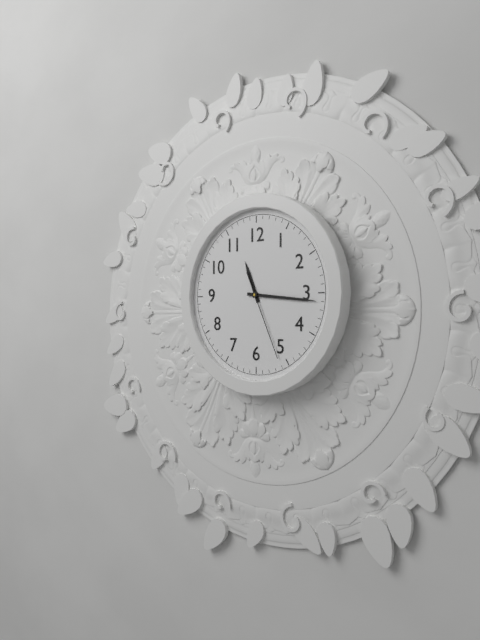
11h16m26s
